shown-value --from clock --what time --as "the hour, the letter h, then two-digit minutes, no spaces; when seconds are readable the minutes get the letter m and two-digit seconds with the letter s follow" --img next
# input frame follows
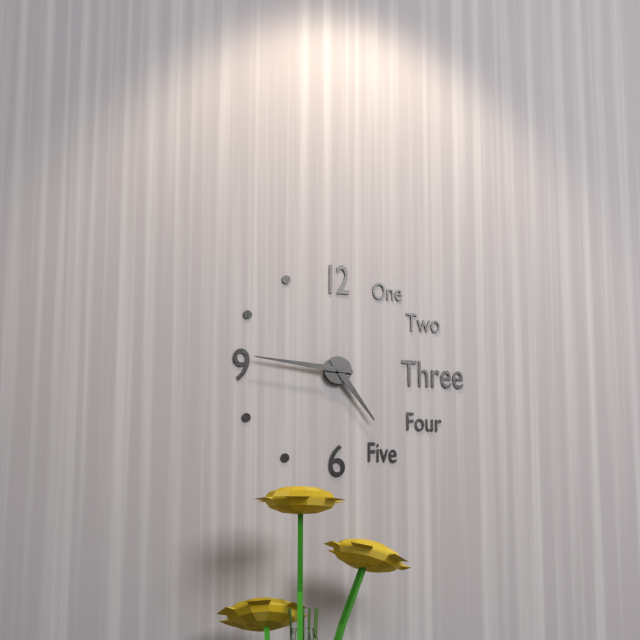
4h46
